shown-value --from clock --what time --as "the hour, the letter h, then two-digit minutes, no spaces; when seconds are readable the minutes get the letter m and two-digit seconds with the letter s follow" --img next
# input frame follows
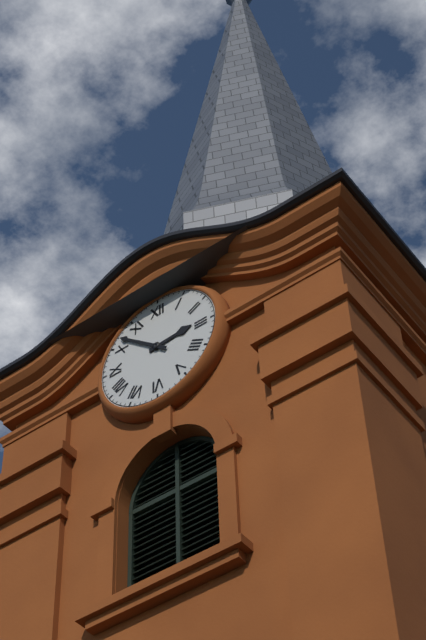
2h52
